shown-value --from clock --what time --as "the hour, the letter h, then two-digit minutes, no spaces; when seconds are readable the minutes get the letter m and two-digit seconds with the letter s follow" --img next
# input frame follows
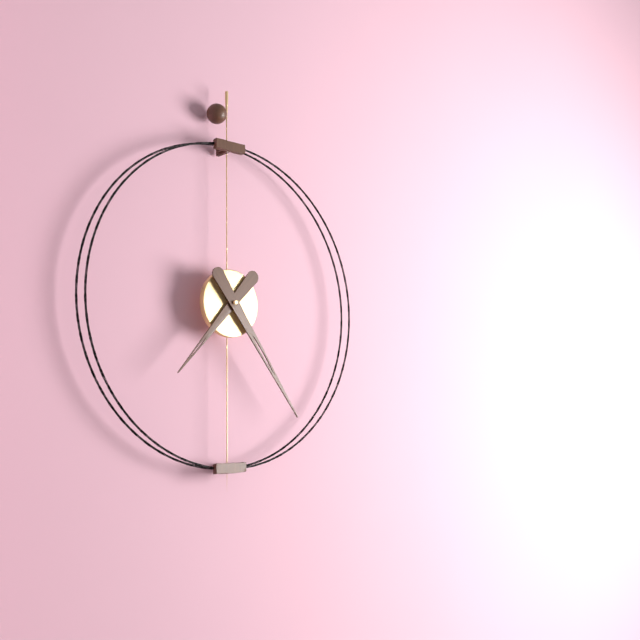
7h24
